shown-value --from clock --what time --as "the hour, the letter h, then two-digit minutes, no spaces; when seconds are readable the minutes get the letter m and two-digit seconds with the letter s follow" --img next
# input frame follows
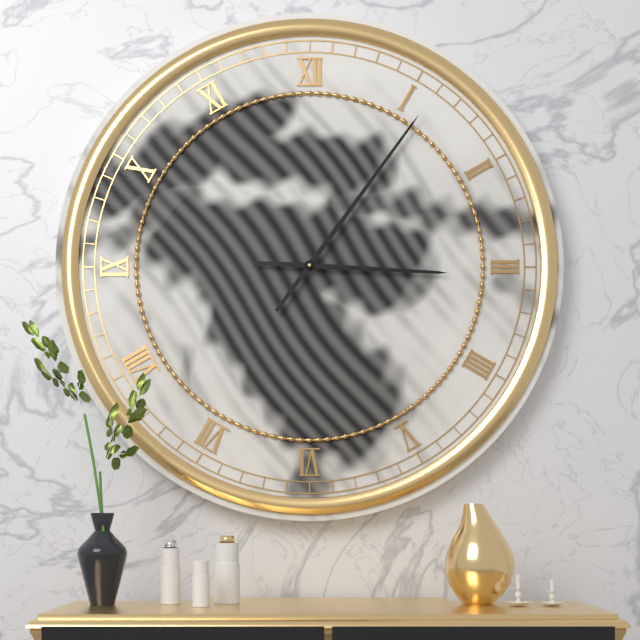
3h06
